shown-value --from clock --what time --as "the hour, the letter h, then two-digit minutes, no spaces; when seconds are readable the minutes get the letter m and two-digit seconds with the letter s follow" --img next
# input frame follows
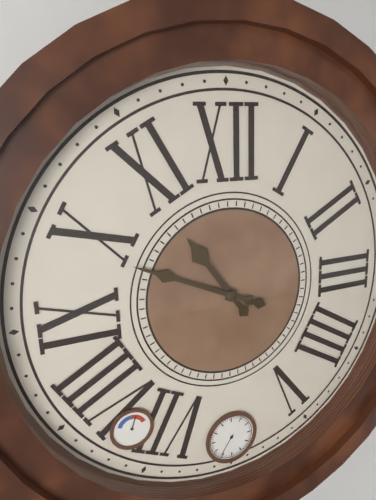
10h49
